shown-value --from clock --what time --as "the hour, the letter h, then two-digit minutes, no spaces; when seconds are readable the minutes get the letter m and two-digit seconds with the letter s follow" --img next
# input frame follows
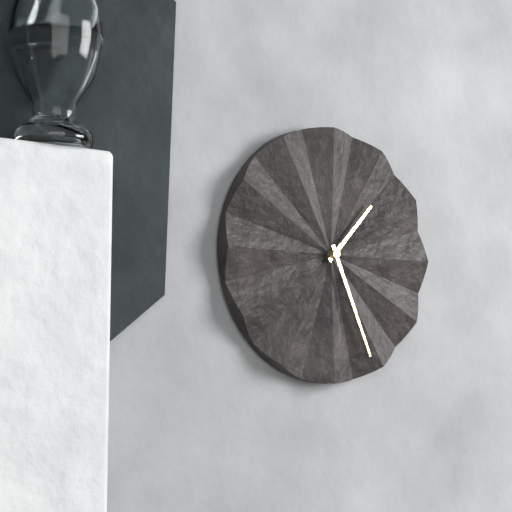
1h26
